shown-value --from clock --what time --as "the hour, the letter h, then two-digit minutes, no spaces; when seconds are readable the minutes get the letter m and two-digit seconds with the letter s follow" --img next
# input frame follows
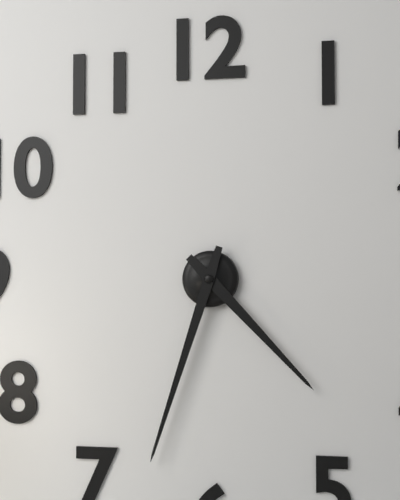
4h33
